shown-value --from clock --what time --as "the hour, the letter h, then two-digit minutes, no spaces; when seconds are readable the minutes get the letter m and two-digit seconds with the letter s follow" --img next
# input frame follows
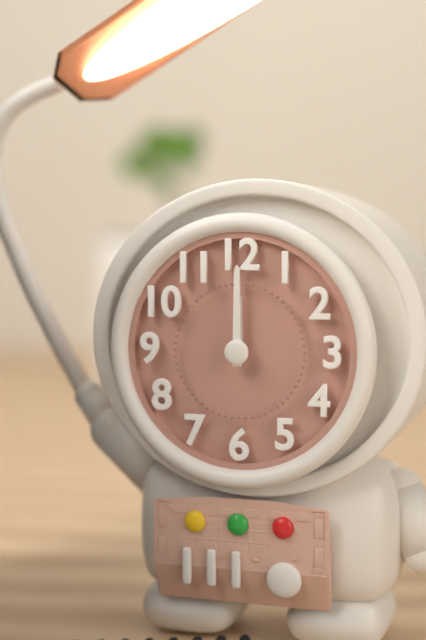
12h00
